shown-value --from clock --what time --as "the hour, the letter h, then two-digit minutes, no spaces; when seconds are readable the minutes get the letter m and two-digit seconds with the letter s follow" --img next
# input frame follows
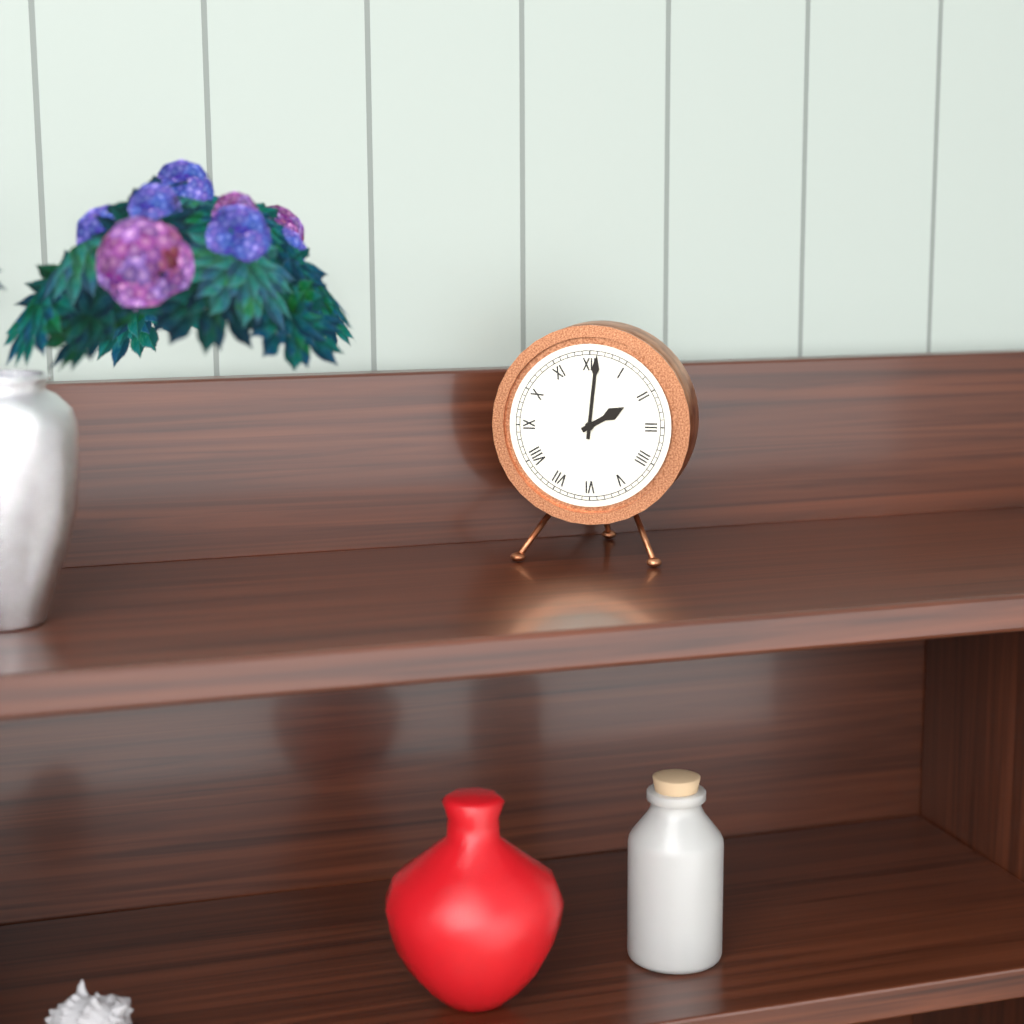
2h01
